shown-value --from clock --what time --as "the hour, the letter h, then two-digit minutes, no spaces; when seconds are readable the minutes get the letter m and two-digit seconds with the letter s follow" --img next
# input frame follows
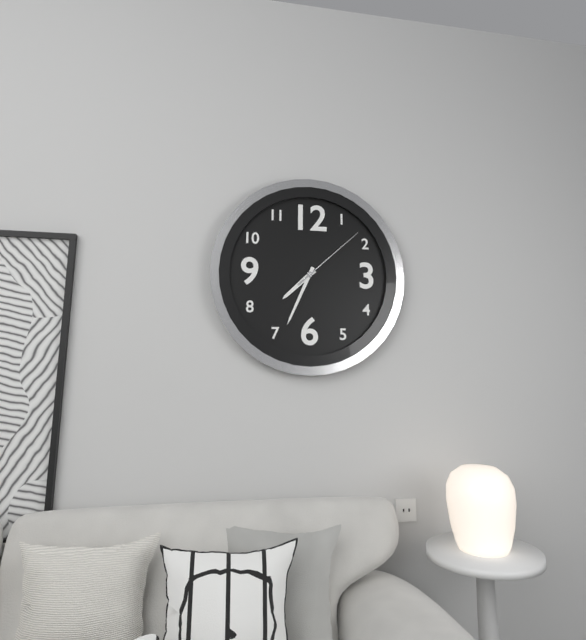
7h34m08s
